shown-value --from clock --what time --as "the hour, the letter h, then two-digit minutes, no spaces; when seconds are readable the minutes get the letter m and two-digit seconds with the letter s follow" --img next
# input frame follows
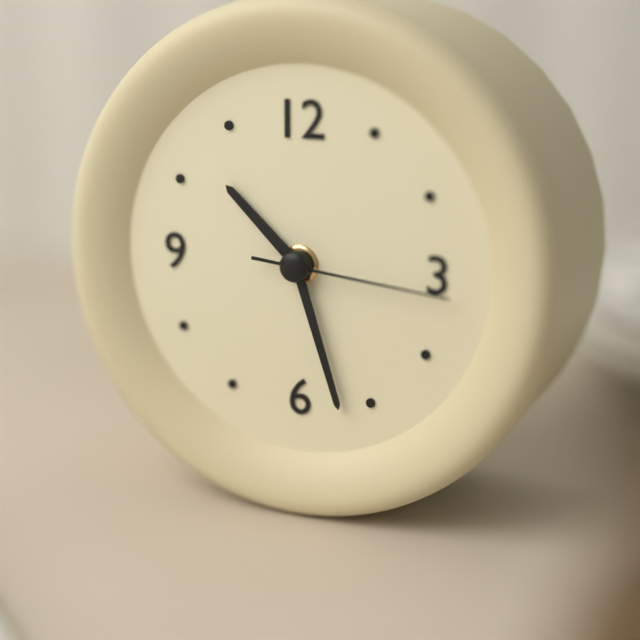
10h27m16s
